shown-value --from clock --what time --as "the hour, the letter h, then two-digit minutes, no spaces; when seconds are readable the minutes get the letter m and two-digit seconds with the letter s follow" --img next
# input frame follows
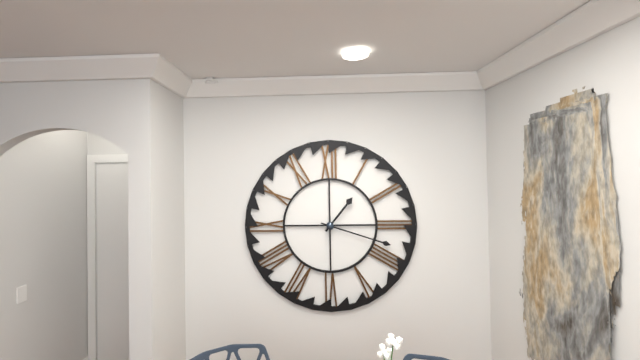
1h18
